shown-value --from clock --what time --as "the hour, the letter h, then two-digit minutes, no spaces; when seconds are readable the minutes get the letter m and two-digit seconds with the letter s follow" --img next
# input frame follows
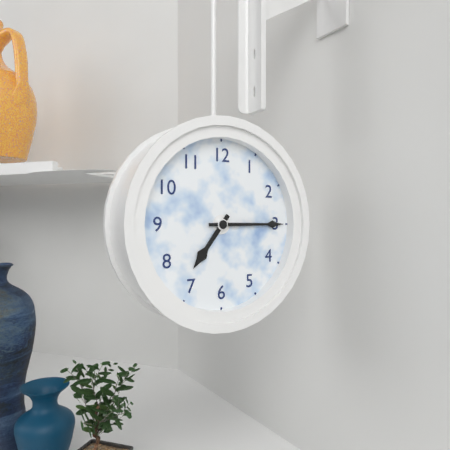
7h15
